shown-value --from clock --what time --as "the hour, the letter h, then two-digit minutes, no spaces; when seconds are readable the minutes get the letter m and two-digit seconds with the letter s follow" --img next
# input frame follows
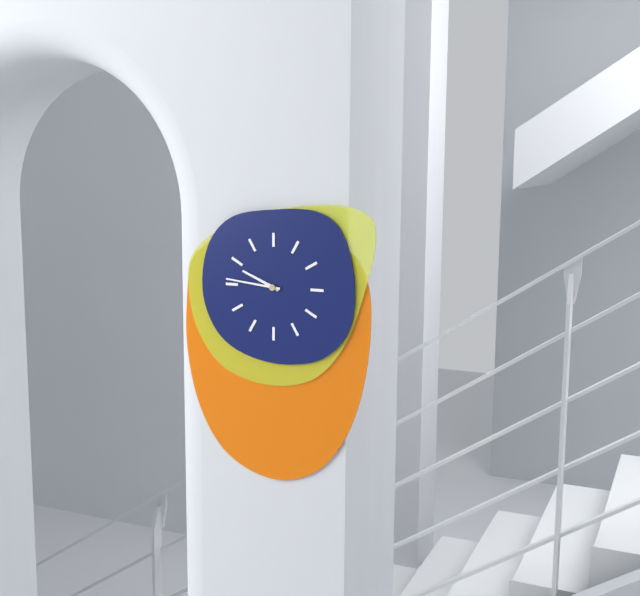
9h46
